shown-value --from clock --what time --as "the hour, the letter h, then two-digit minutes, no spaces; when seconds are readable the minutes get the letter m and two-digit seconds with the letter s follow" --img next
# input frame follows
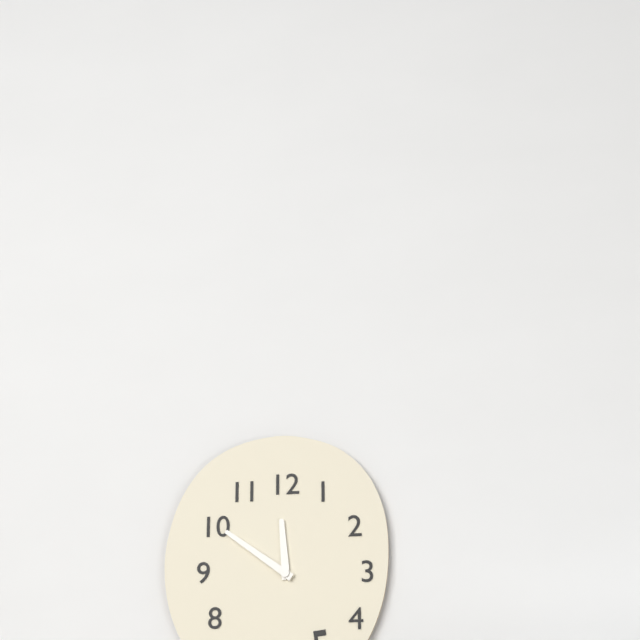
11h51
